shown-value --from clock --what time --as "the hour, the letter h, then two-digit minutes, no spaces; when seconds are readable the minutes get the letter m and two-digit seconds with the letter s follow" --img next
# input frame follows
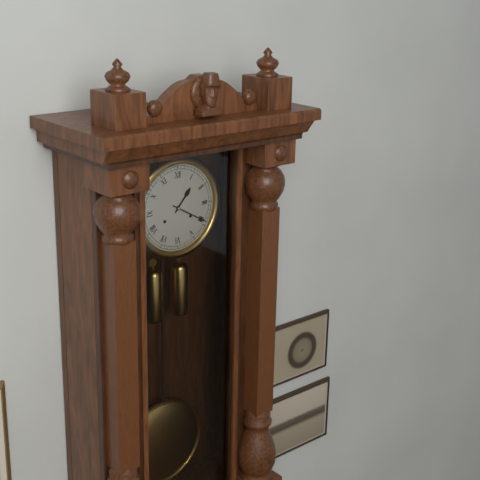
1h20
